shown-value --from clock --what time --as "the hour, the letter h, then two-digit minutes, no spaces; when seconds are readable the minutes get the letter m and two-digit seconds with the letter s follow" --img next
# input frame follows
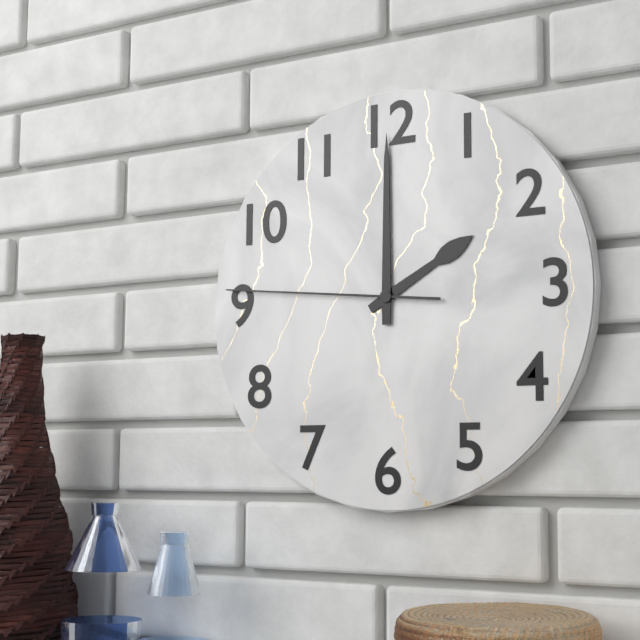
2h00m46s
